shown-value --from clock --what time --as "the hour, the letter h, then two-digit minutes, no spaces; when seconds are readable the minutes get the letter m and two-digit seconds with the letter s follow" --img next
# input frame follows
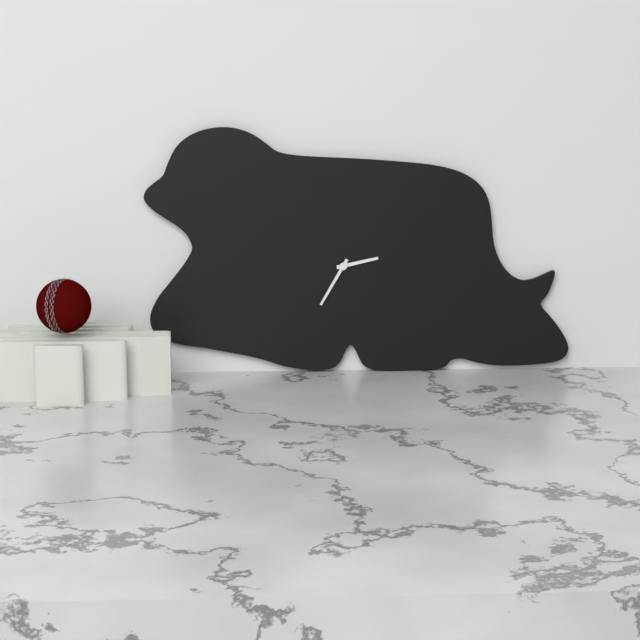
2h35
